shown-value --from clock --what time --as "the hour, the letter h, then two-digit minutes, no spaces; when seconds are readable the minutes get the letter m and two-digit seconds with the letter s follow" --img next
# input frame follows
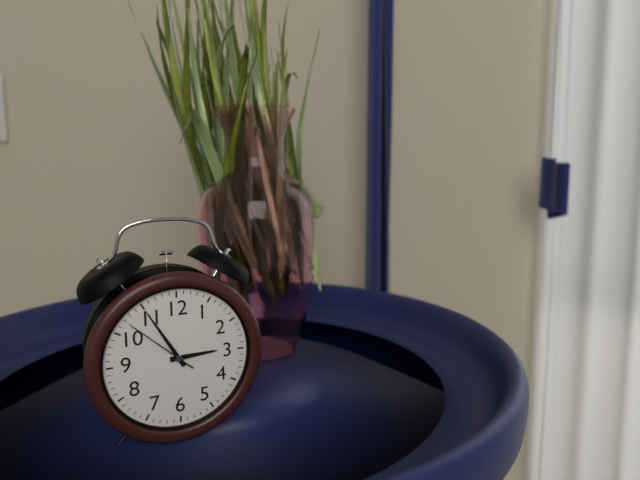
2h55m52s
